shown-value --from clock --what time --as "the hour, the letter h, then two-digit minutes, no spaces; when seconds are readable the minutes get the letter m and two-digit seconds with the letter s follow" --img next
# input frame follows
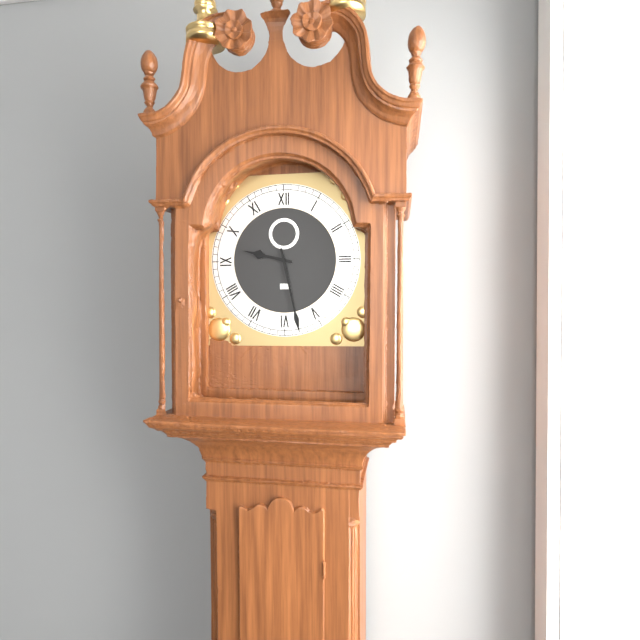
9h28
